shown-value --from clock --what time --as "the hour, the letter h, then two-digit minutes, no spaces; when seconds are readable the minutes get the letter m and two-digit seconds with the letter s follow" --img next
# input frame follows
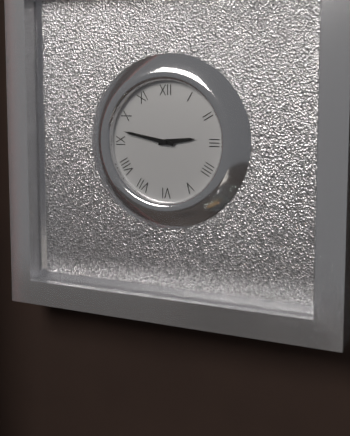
2h47
